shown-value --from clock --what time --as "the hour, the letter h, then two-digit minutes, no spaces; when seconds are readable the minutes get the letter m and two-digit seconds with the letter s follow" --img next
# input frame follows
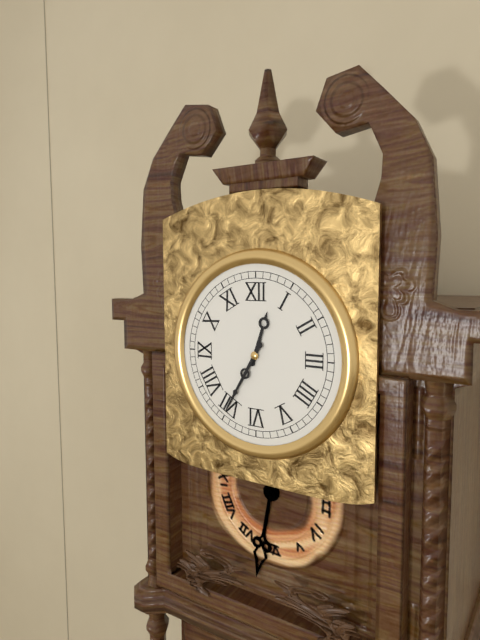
12h35
